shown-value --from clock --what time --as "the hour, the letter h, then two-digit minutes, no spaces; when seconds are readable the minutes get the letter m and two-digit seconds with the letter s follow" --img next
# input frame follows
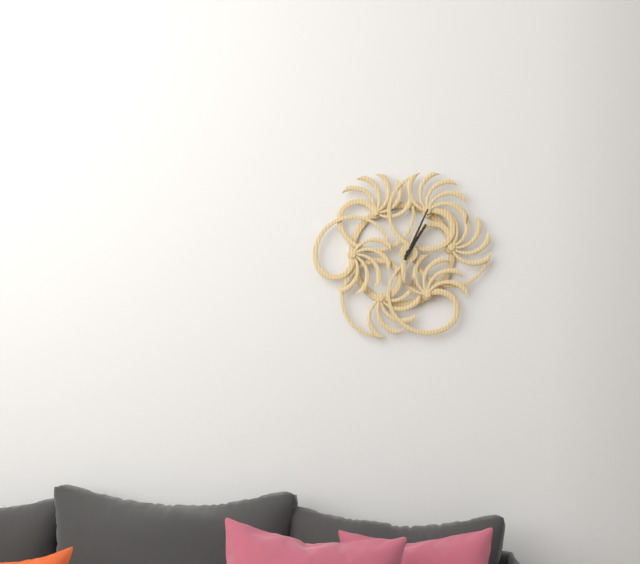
1h04
